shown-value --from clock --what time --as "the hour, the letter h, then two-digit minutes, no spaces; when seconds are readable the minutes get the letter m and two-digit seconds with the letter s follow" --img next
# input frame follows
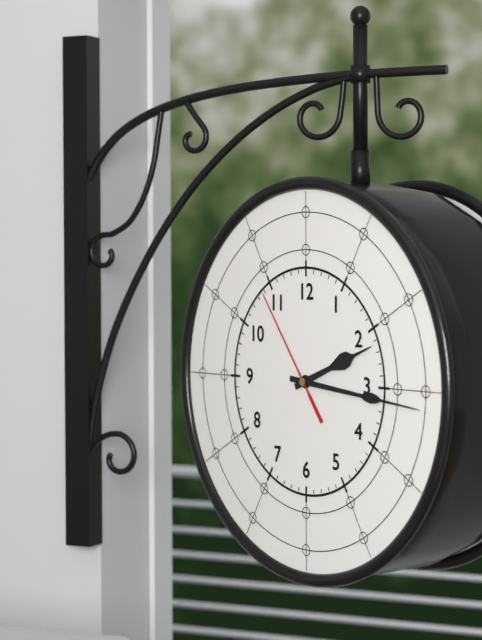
2h16m54s
